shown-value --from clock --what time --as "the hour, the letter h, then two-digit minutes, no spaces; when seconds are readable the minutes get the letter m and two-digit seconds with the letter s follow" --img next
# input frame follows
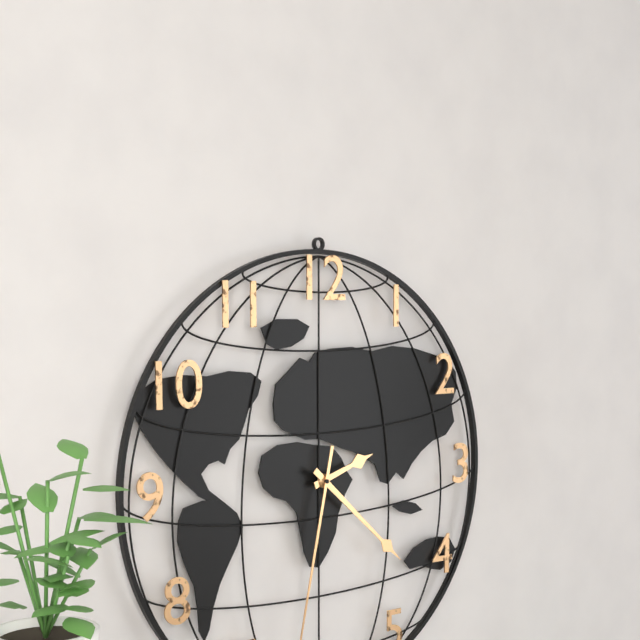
2h22
